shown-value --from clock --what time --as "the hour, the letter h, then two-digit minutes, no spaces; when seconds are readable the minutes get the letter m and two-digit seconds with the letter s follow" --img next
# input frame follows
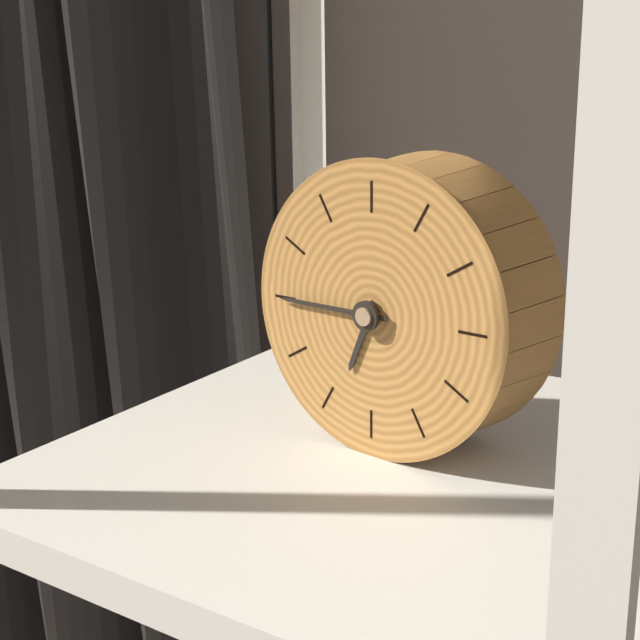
6h45
